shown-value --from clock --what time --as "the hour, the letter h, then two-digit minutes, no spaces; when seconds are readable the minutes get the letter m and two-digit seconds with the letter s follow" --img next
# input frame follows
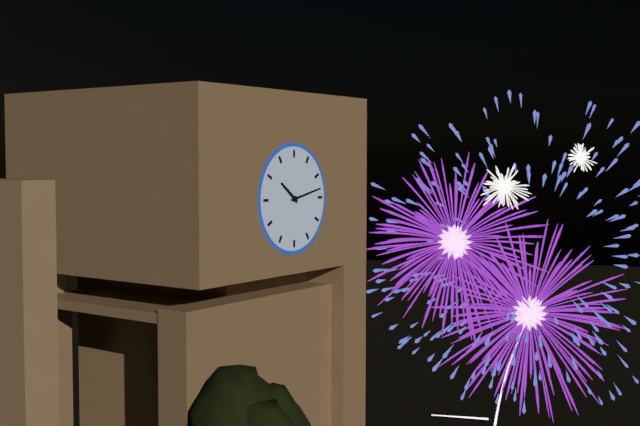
10h13
